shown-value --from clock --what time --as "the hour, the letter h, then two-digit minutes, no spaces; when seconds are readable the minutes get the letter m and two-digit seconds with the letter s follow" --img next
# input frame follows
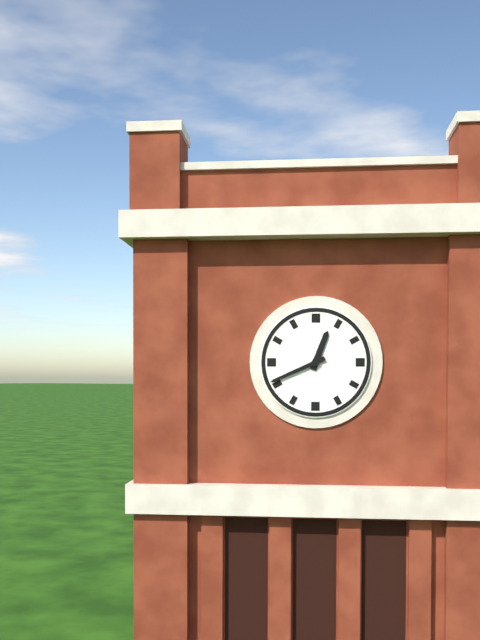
12h41
